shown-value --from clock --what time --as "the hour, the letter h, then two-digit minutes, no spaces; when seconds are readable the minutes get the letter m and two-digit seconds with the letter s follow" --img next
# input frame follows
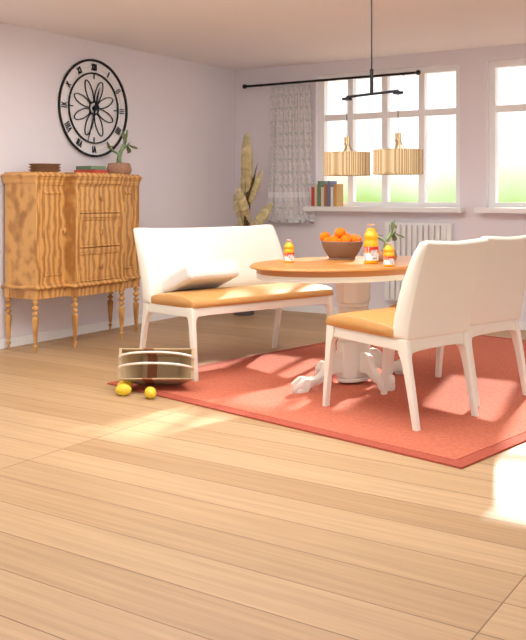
12h33
